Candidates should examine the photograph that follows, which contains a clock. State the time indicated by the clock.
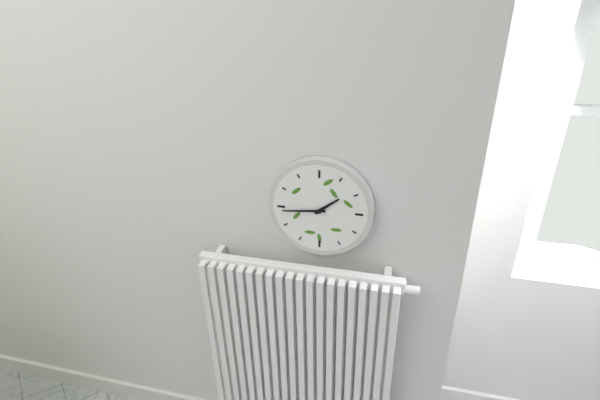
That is 1:44
